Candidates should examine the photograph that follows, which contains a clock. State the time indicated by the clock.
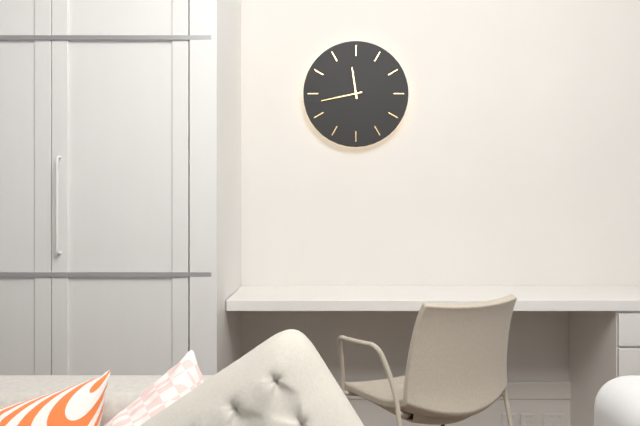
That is 11:43
